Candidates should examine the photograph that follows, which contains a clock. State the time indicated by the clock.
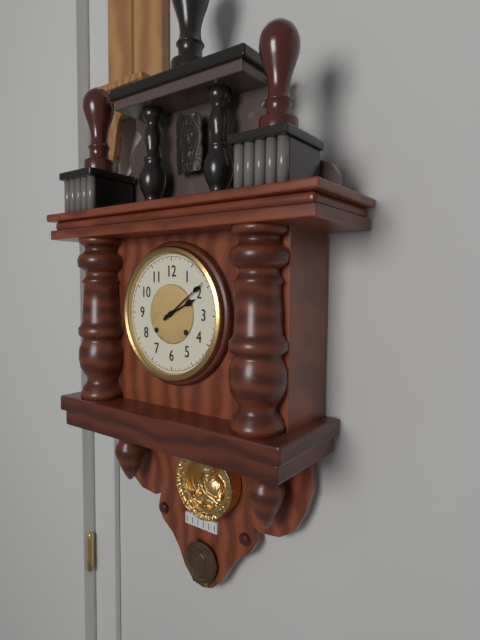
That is 2:09
